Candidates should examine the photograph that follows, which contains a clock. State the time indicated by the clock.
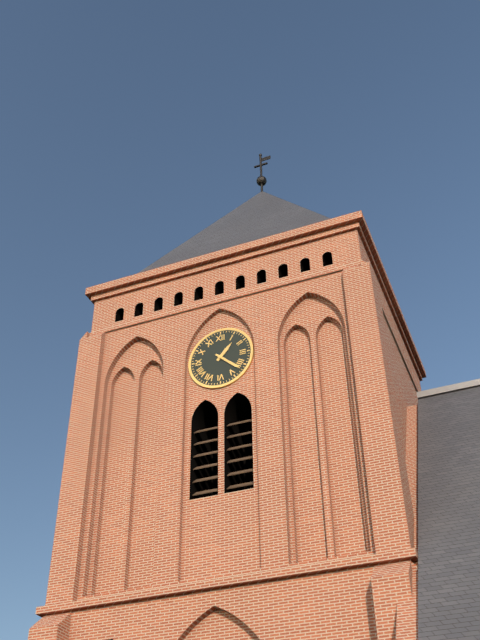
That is 1:22
